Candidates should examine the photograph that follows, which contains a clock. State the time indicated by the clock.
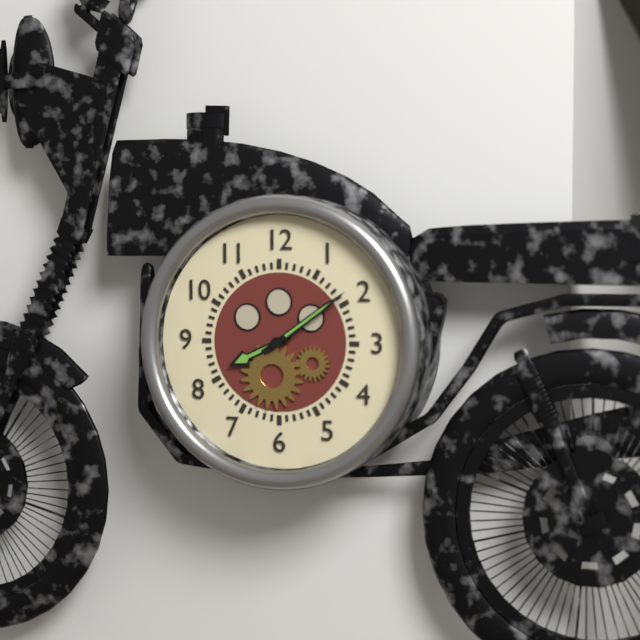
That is 8:09
